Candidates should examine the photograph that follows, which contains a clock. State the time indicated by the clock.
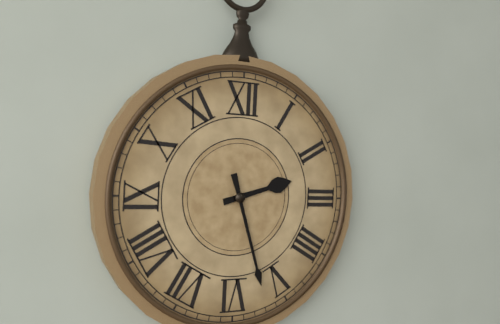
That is 2:27
